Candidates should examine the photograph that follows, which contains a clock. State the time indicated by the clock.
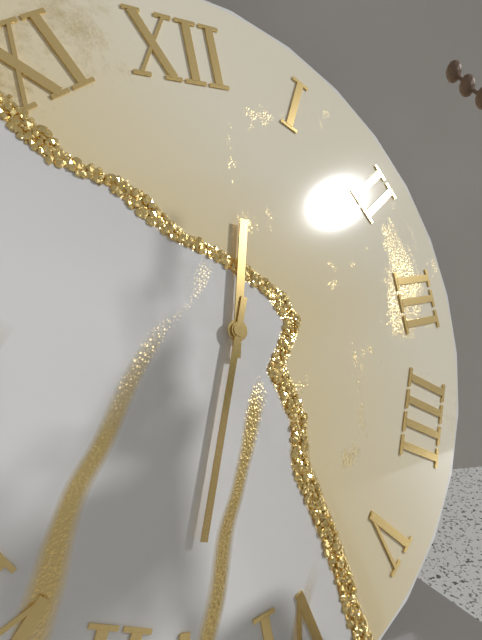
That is 12:34
